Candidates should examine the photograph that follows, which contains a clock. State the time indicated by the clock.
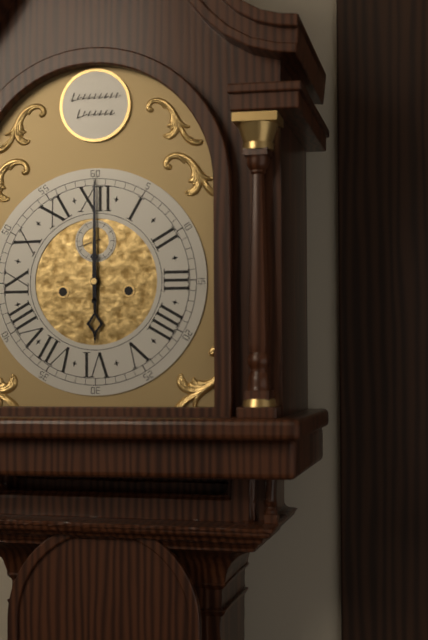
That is 6:00:42
